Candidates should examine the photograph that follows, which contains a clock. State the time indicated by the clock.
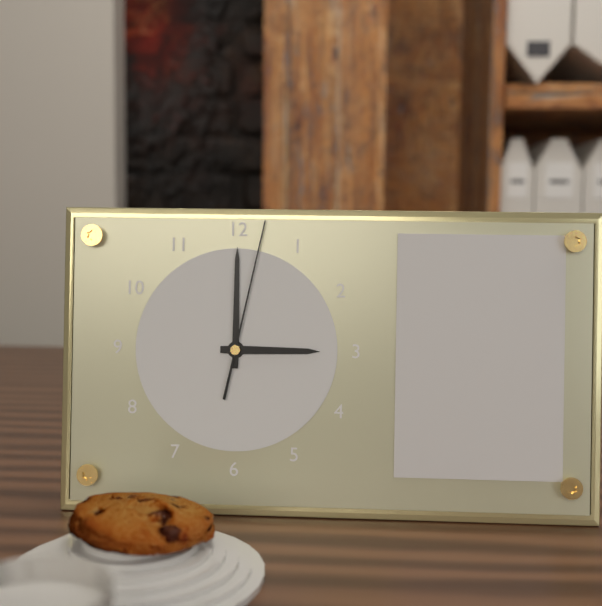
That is 3:00:02
